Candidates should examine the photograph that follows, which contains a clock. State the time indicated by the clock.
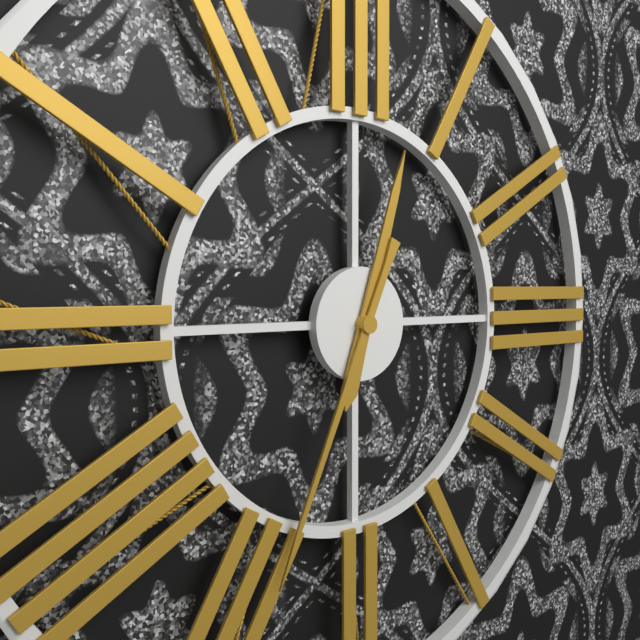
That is 12:34
